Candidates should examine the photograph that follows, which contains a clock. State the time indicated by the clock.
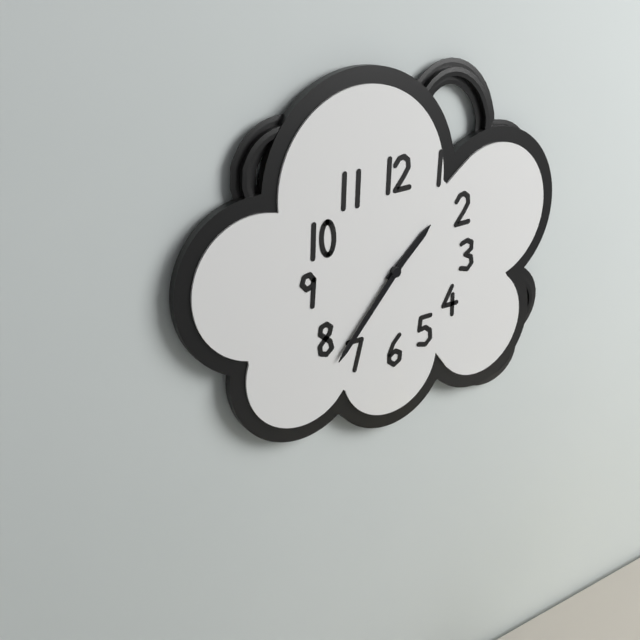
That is 1:37
